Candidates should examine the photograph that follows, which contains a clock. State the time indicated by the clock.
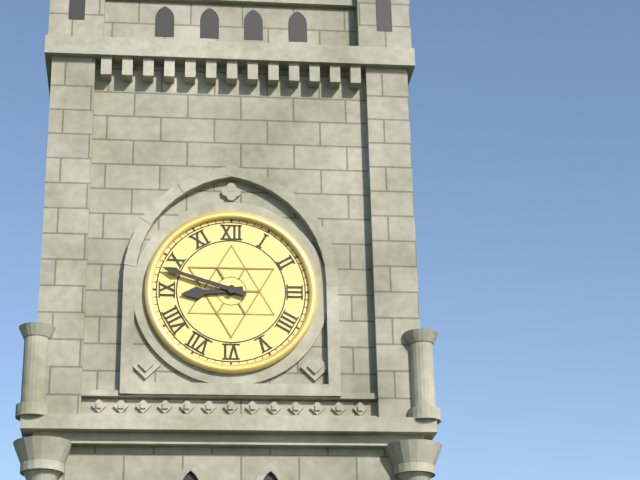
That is 8:48
